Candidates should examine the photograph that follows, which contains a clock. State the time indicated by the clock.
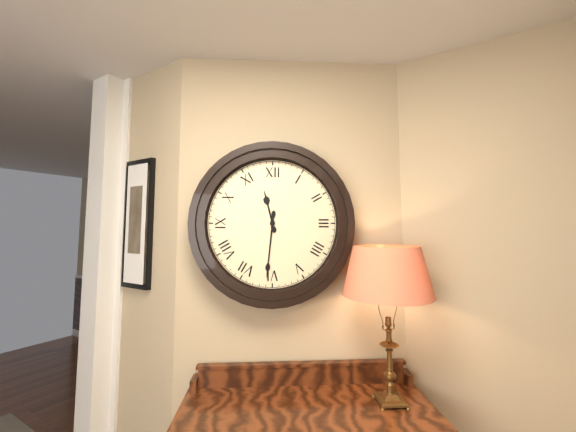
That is 11:31
